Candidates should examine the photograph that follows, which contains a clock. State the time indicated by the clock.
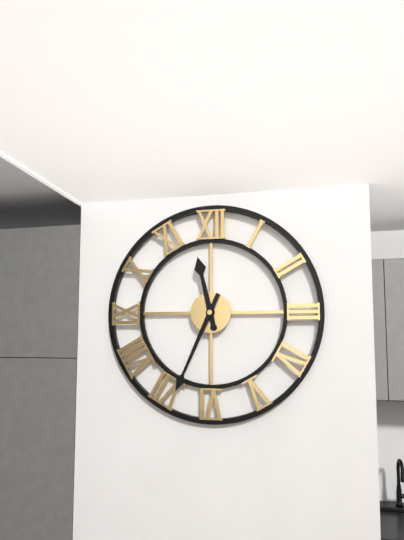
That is 11:34
